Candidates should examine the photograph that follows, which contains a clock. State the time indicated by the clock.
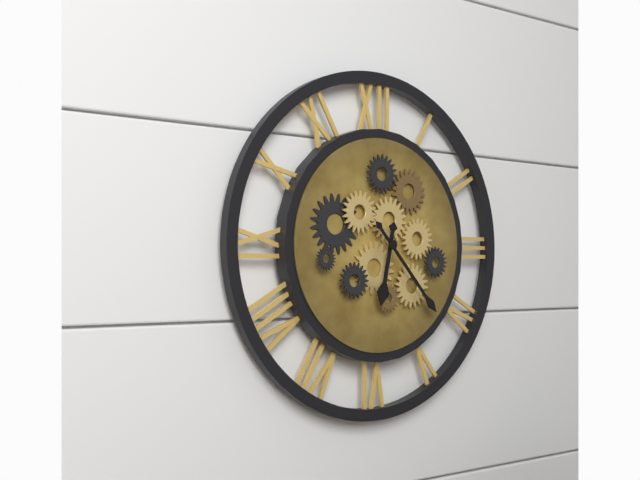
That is 6:23
